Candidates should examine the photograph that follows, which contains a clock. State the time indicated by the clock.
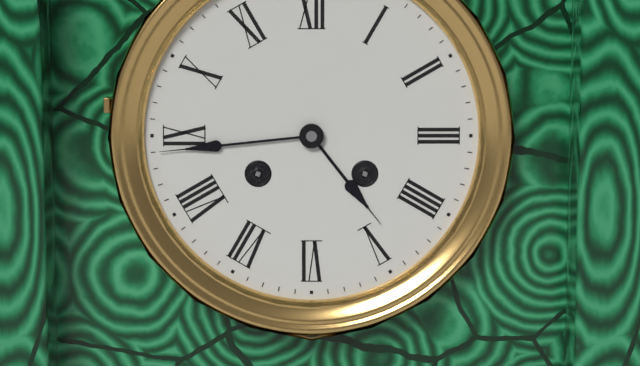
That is 4:44
